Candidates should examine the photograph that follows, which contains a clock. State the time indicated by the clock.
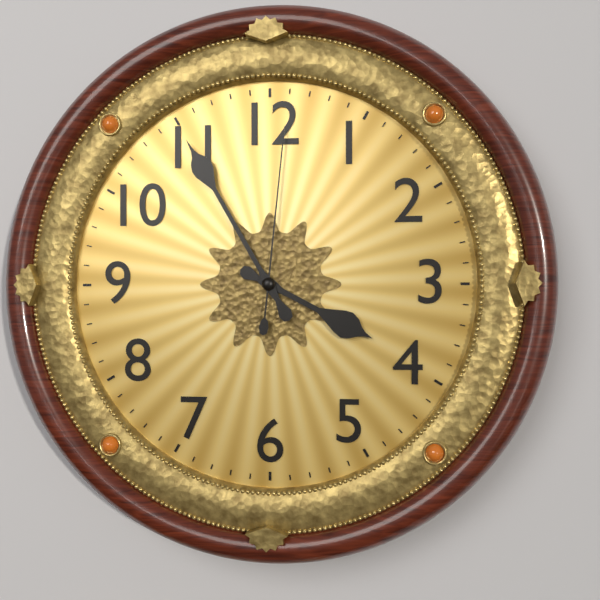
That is 3:55:01
